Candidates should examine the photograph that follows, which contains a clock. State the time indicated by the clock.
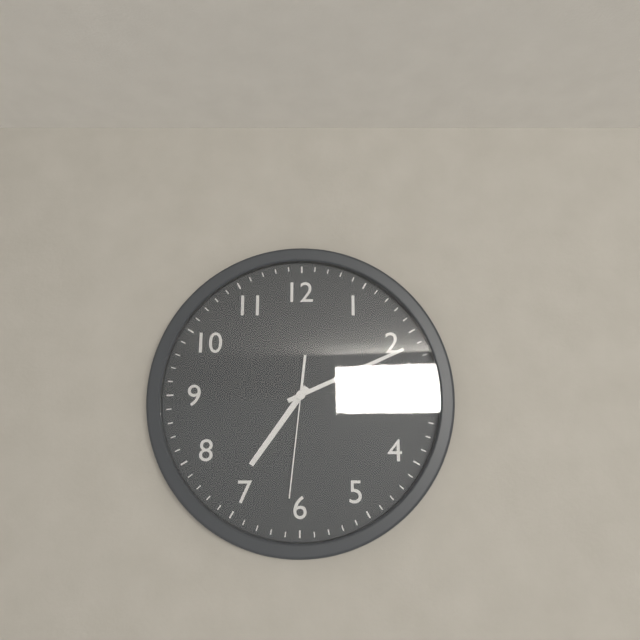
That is 7:11:31
